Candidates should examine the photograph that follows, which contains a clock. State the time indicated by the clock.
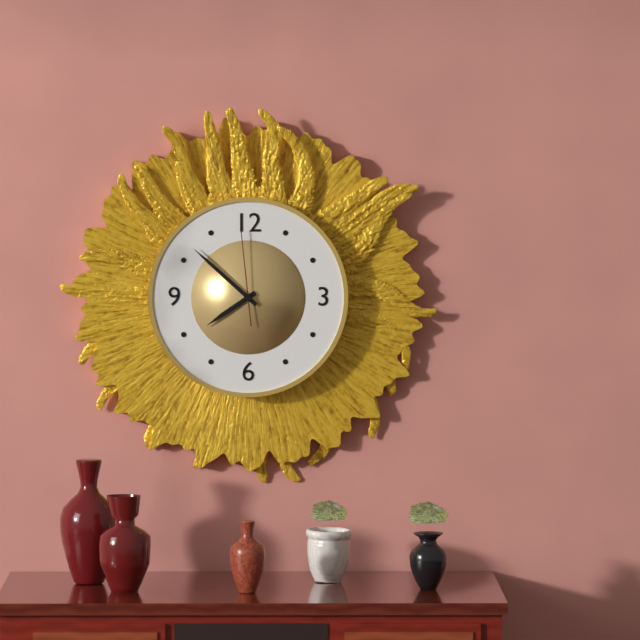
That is 7:52:59
